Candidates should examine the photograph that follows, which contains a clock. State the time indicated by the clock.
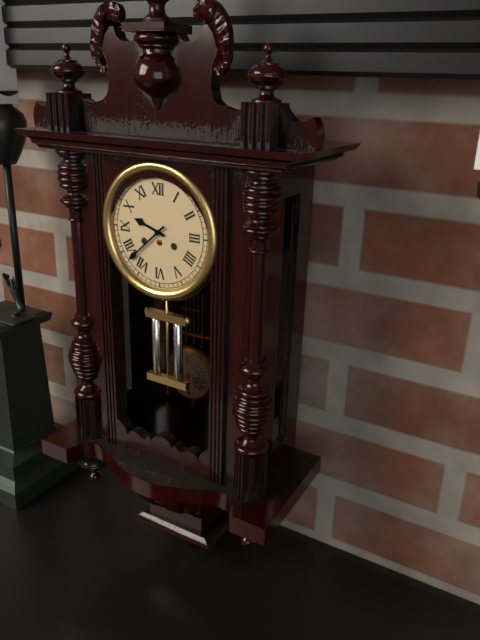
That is 9:38
